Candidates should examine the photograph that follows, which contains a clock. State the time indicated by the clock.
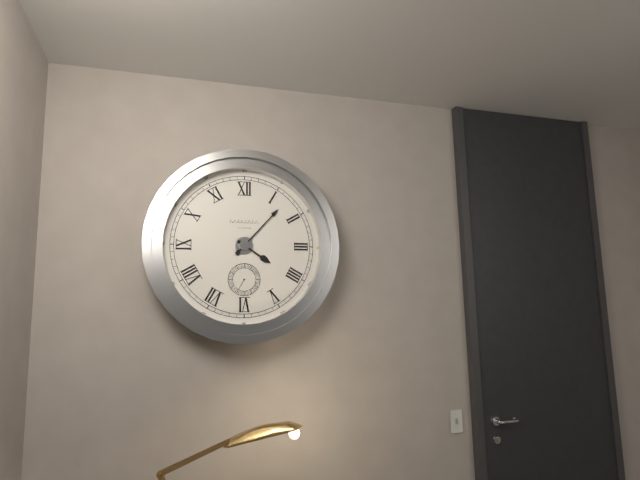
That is 4:07
